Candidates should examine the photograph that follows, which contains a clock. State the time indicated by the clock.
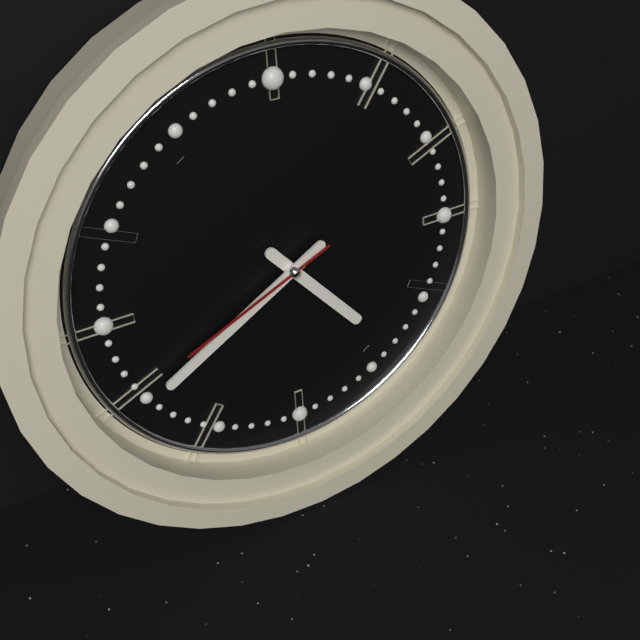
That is 4:40:41
